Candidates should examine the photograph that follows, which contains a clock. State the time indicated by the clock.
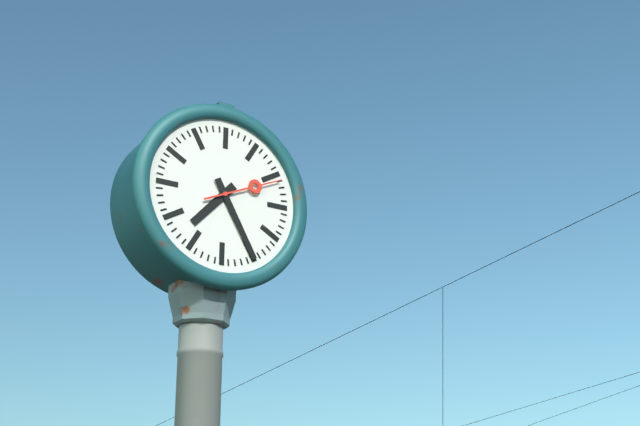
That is 7:25:11
